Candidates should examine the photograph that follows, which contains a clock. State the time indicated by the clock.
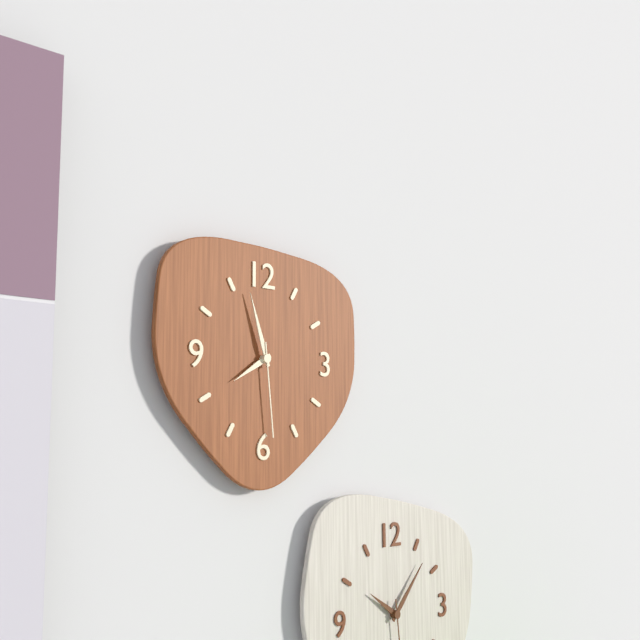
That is 7:57:29
